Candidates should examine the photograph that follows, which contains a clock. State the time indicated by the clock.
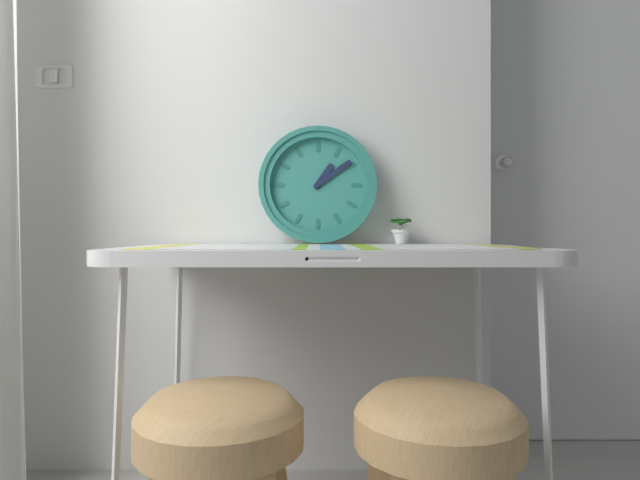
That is 1:09
